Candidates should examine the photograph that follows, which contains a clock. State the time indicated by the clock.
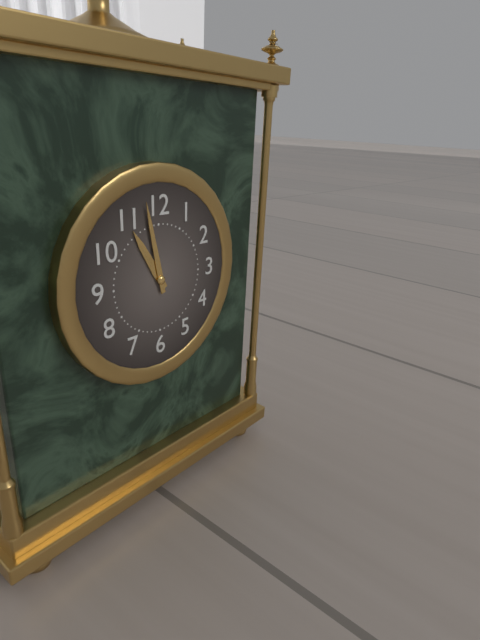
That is 10:58
